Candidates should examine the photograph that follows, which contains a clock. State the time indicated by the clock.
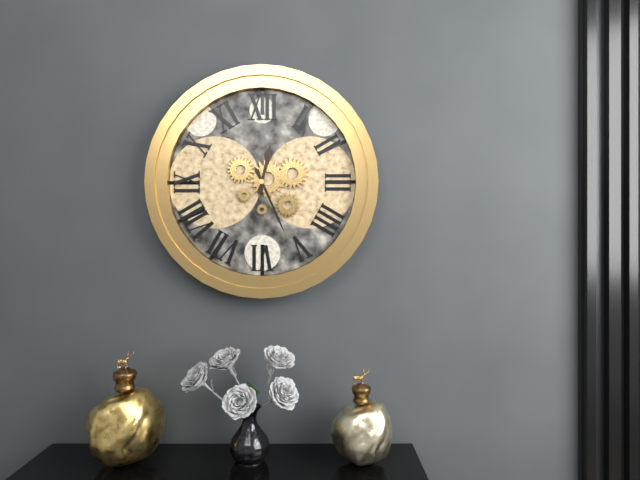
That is 12:26
